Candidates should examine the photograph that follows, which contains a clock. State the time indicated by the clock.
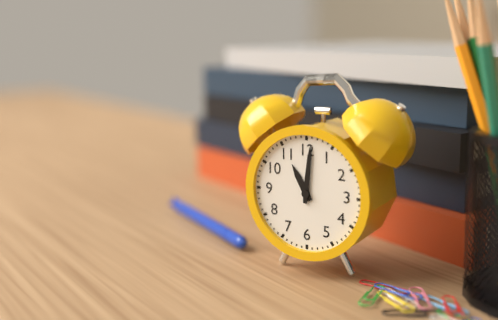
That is 11:01
